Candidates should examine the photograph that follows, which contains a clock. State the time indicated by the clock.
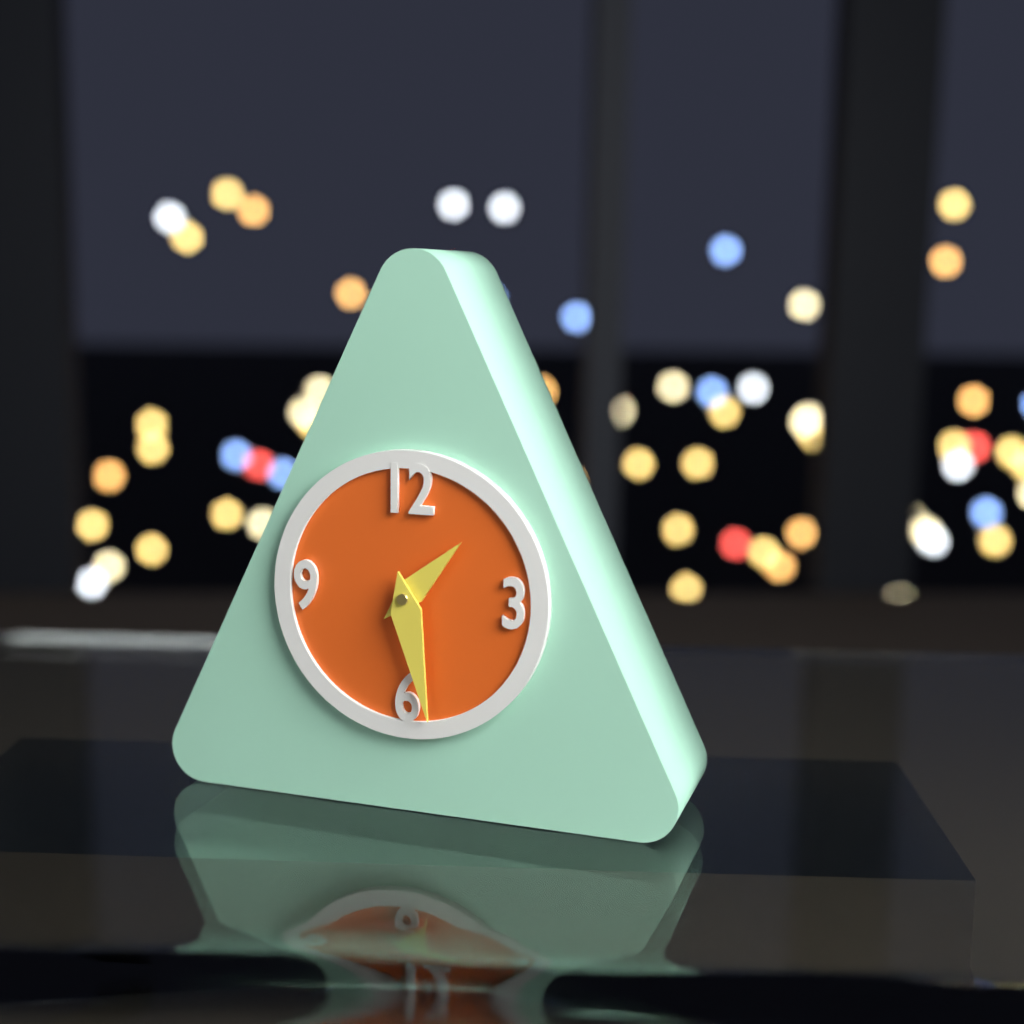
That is 1:28
